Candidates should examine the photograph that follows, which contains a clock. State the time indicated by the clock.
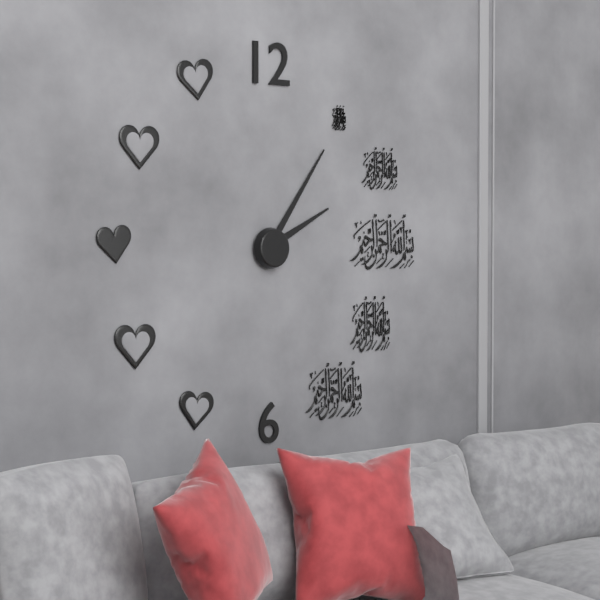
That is 2:06
